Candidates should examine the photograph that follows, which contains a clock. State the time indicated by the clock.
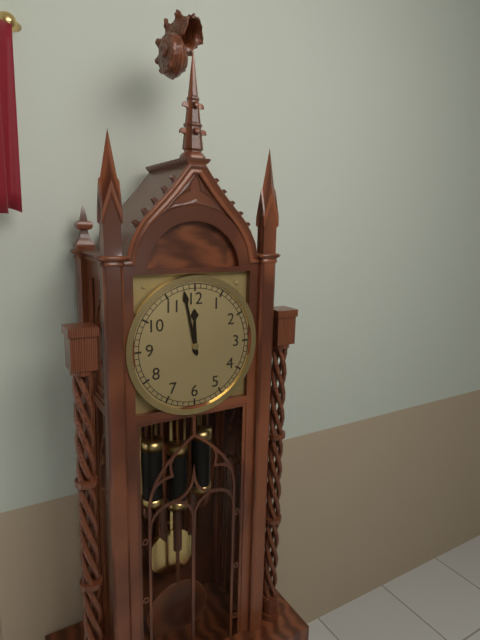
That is 11:58
